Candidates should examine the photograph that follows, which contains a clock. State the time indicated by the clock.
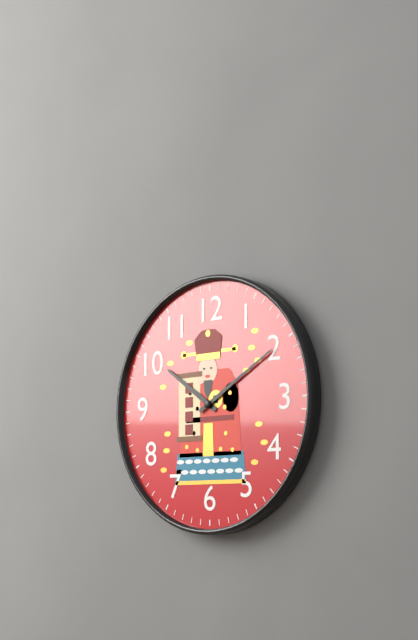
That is 10:10
